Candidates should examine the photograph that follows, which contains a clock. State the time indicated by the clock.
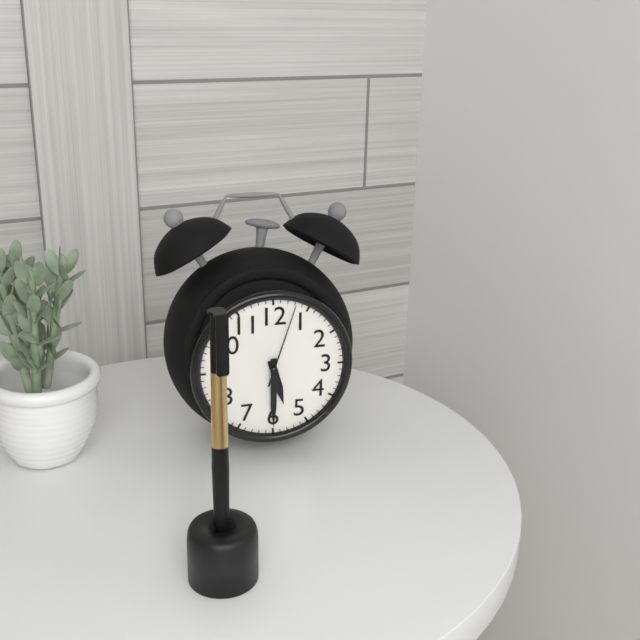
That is 5:30:03
